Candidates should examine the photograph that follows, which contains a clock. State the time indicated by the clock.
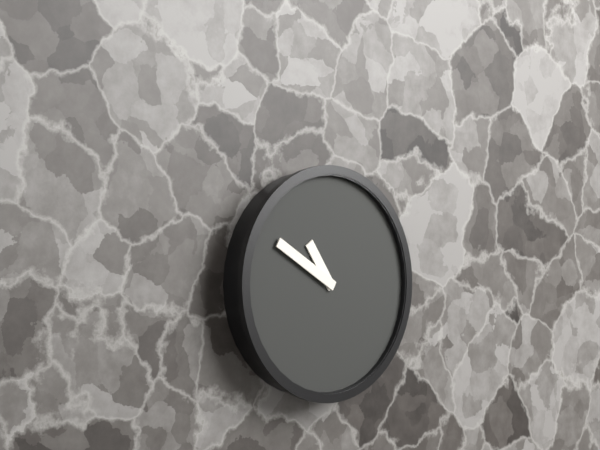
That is 10:50
